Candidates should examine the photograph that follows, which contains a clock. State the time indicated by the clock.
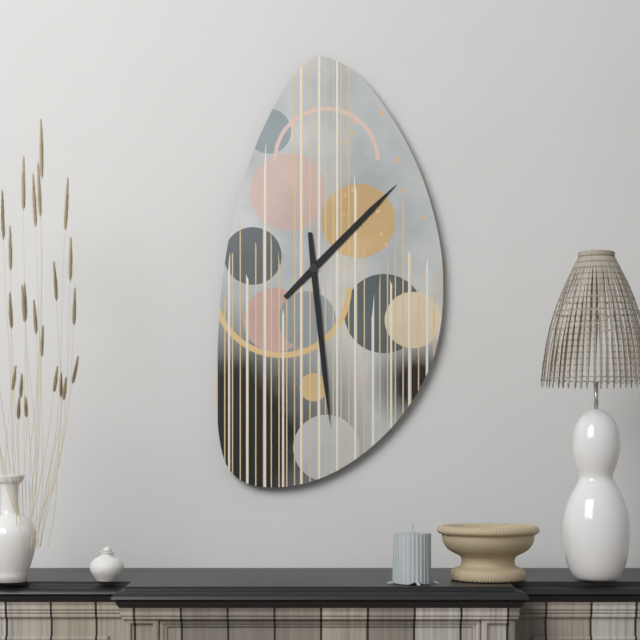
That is 1:29
